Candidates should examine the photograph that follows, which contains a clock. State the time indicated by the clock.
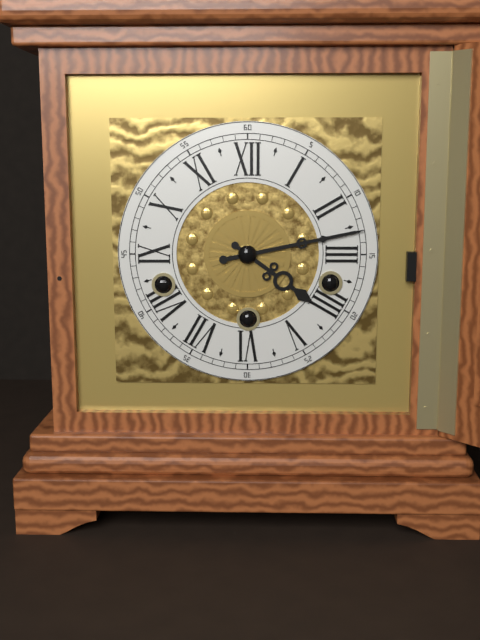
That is 4:13
